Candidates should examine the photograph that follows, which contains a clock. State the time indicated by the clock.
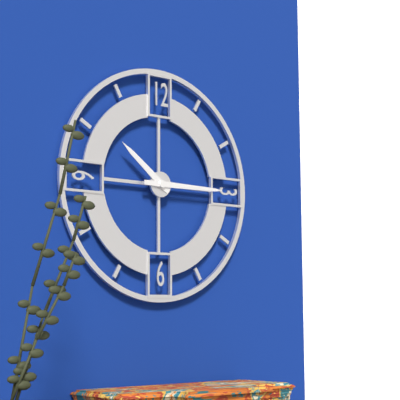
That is 10:15
